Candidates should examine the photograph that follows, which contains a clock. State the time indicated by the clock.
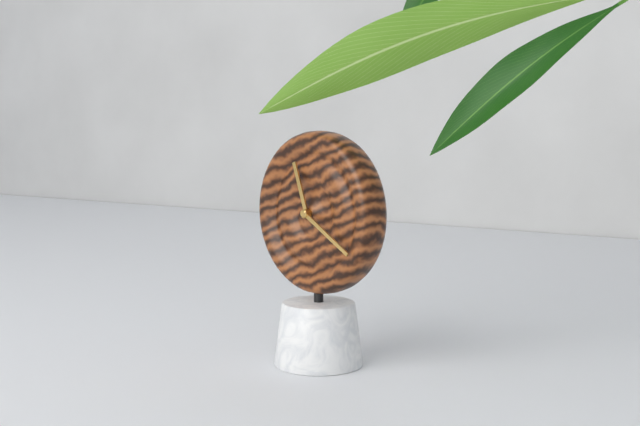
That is 11:20
